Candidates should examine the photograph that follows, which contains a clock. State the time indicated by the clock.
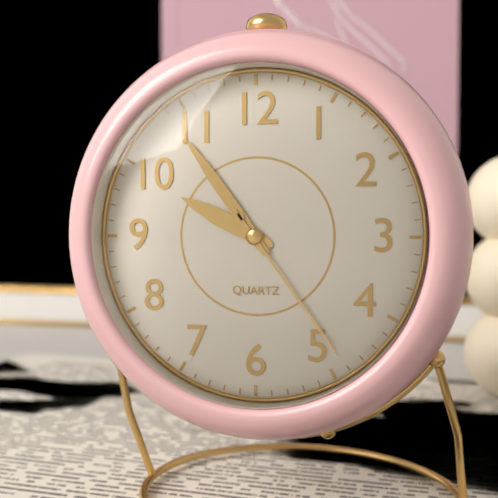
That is 9:54:24
